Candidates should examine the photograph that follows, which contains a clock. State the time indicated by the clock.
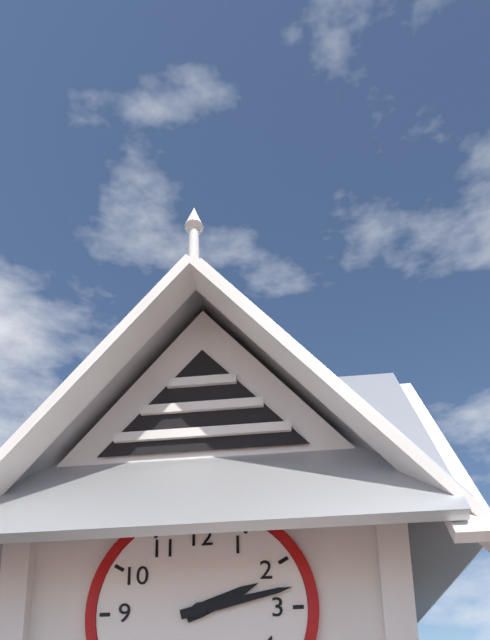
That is 2:13
